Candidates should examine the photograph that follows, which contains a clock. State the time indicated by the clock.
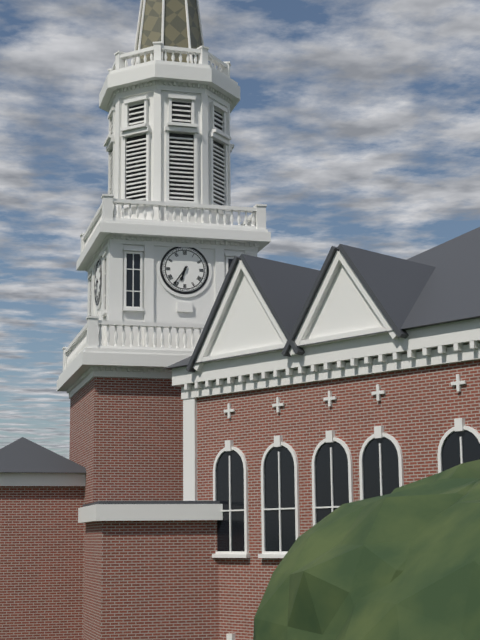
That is 6:36
